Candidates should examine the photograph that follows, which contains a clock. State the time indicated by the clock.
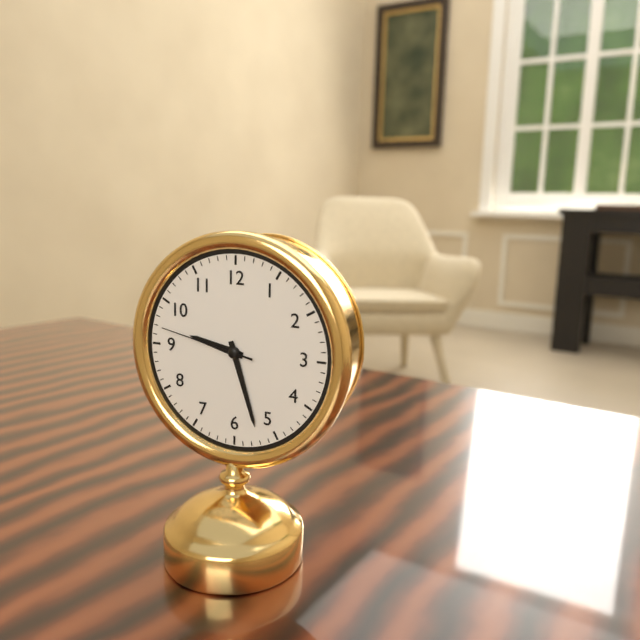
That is 9:27:47
